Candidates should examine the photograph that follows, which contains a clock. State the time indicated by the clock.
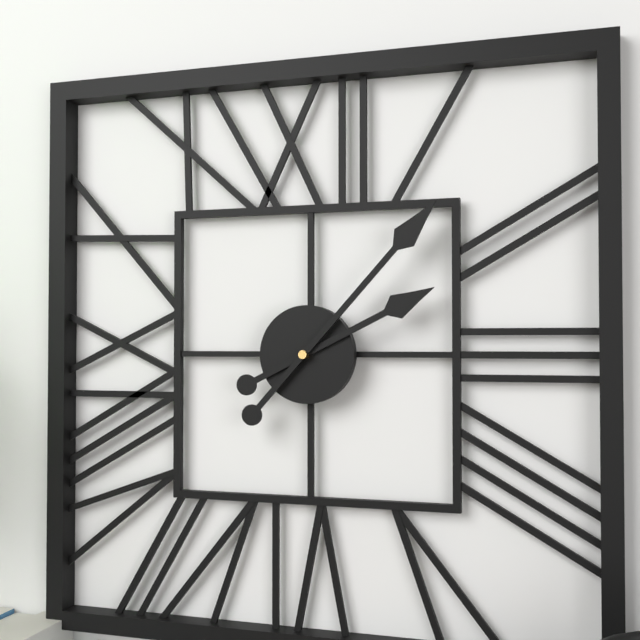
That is 2:07
